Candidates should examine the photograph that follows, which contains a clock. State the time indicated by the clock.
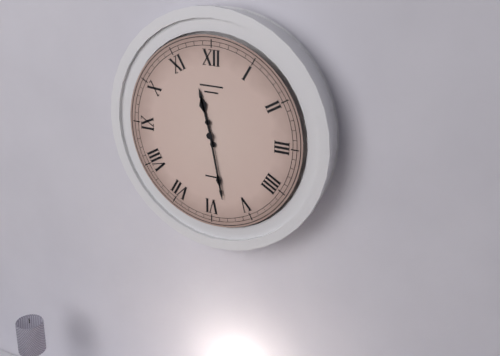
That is 11:28
